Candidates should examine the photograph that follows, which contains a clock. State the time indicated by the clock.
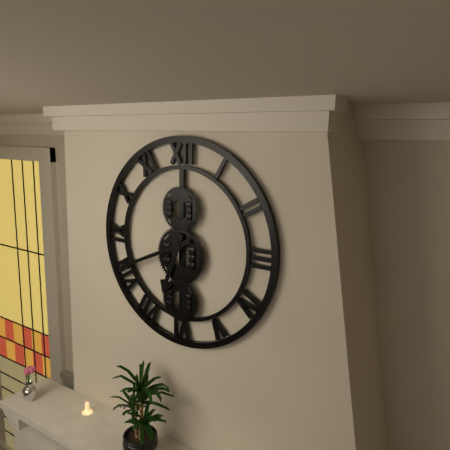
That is 6:41
